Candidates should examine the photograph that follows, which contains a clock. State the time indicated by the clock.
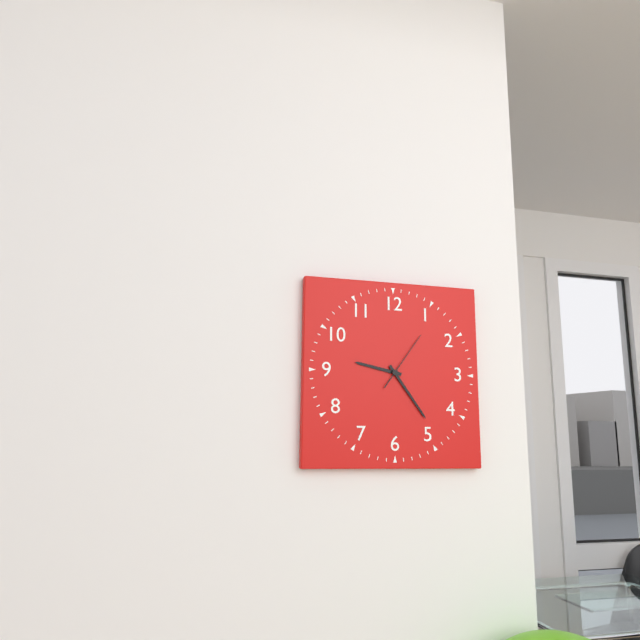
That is 9:24:06
